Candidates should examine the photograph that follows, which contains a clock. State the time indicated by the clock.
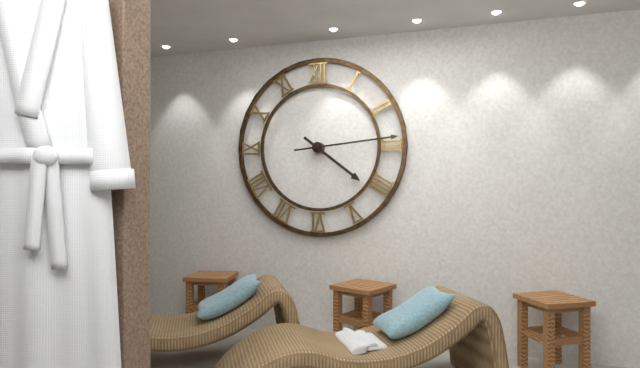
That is 4:14
